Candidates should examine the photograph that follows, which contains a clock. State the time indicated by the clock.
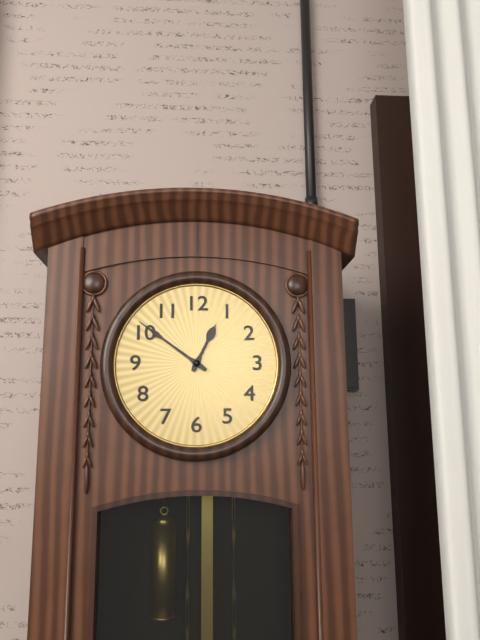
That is 12:51
